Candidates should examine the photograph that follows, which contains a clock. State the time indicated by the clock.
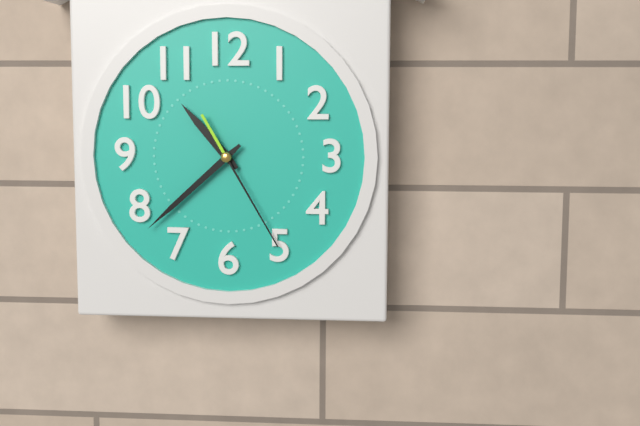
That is 10:38:25
